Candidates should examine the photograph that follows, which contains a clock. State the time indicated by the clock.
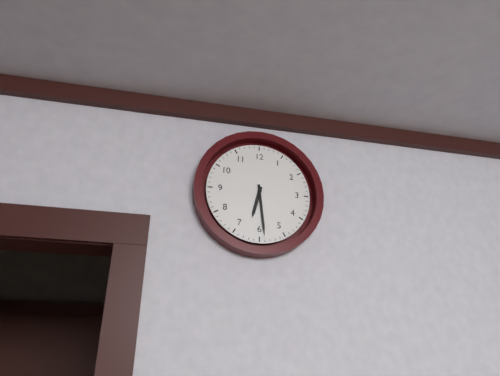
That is 6:29
